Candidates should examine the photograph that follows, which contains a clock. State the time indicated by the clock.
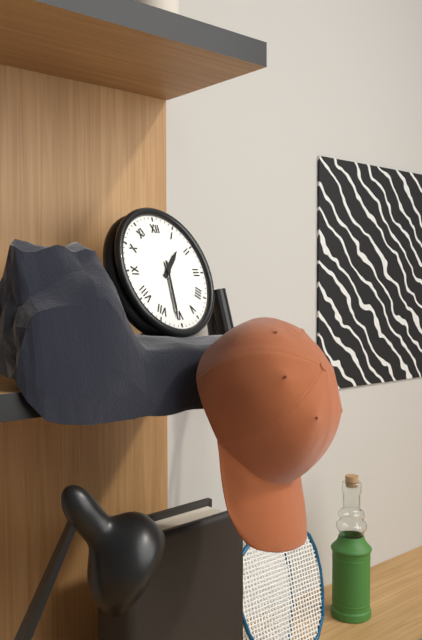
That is 1:31
